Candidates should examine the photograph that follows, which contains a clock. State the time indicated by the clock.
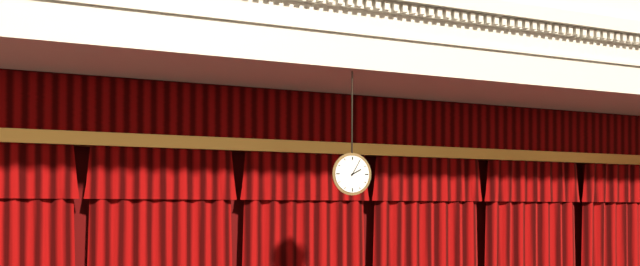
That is 2:05
